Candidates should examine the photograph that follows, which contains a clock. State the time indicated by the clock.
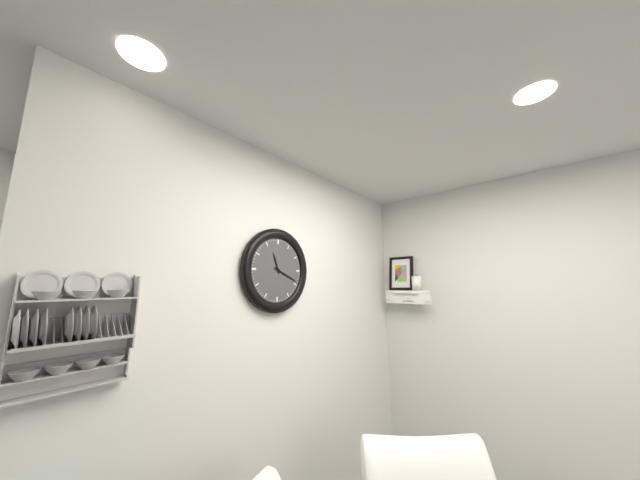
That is 11:19
